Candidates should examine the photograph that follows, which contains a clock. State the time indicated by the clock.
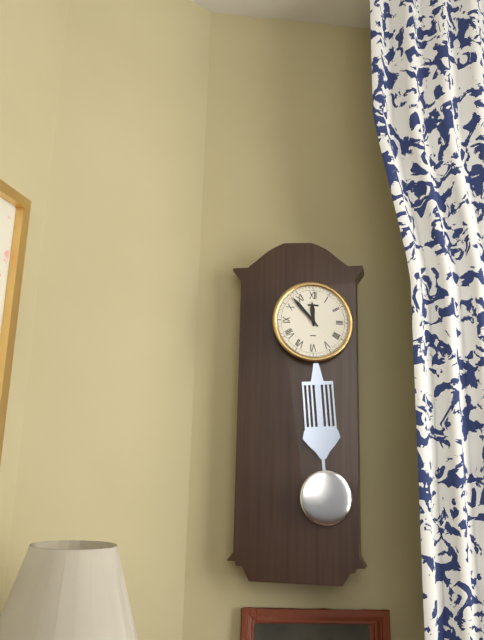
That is 11:53
